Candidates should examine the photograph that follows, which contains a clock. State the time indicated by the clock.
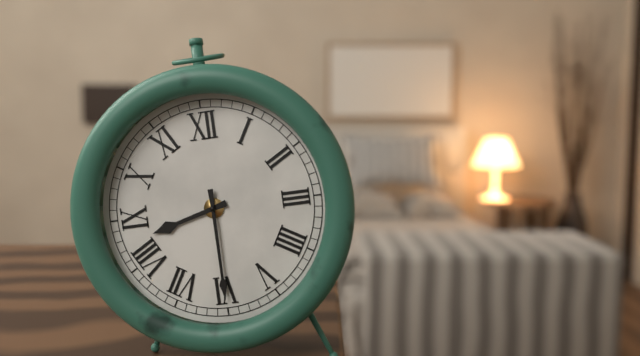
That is 8:30
